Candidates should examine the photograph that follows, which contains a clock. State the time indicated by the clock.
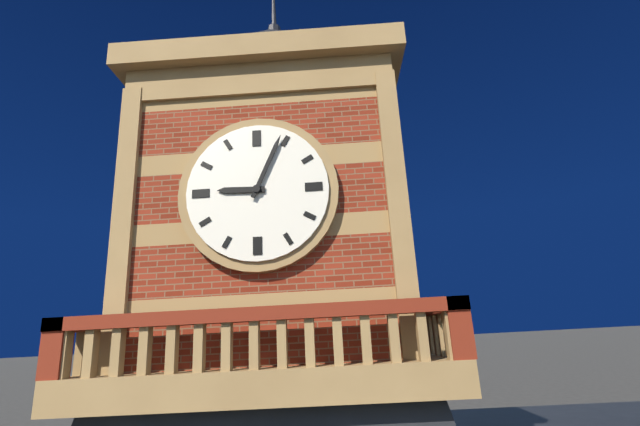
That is 9:04
